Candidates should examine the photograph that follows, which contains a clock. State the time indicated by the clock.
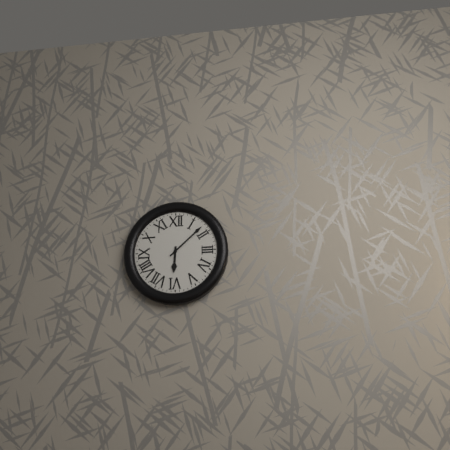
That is 6:08
